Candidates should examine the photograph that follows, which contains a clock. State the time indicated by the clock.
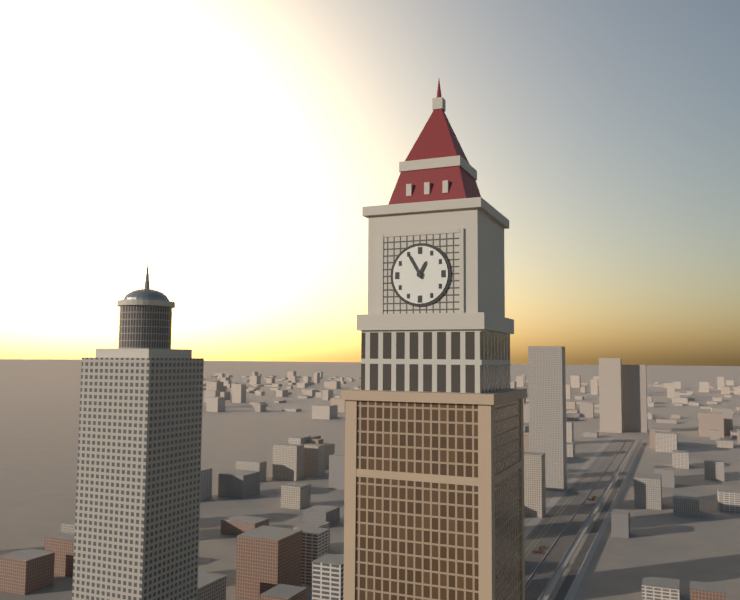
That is 12:55
